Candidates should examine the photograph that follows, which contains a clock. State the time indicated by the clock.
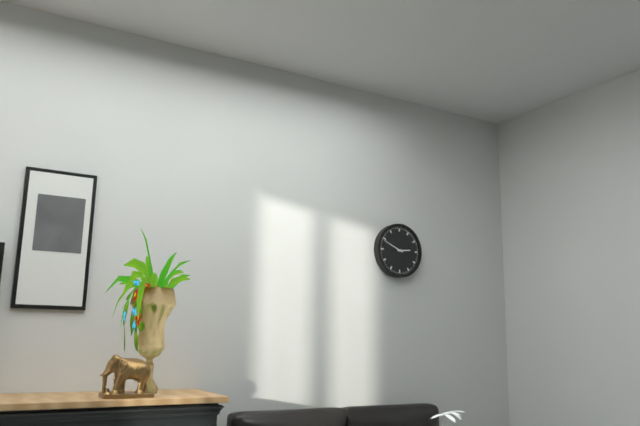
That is 2:49
